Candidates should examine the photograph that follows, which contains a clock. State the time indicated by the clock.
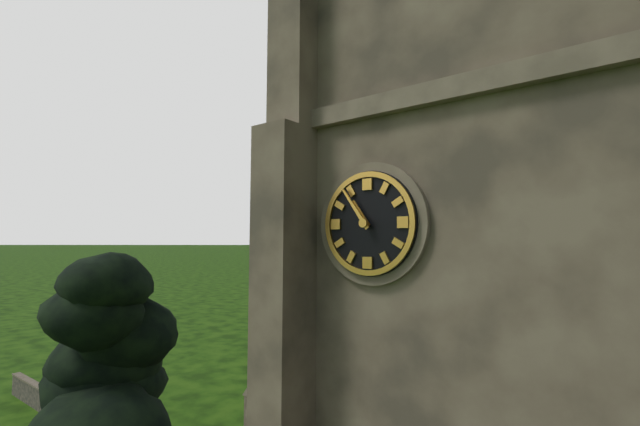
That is 10:54
